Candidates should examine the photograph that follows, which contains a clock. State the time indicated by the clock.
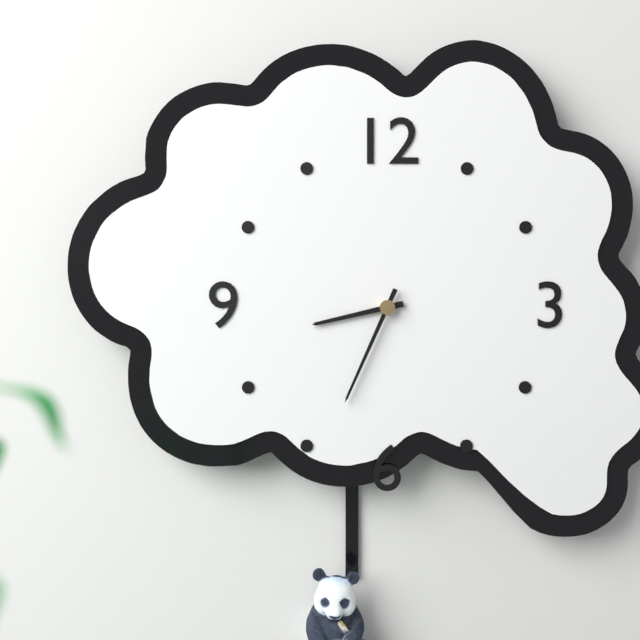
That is 8:34
